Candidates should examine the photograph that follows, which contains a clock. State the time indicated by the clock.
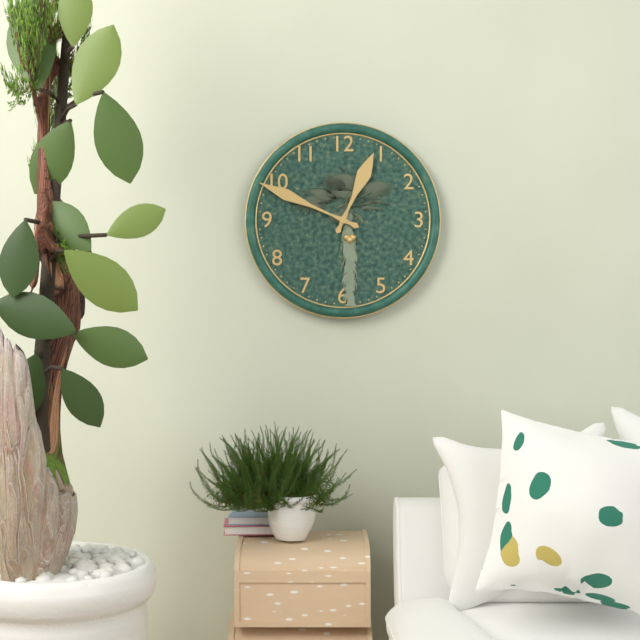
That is 12:49
